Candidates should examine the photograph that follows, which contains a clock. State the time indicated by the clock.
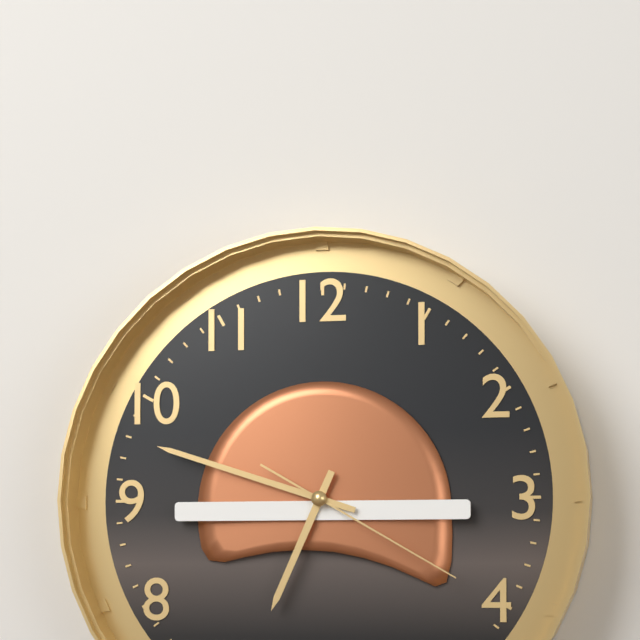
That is 6:48:20
